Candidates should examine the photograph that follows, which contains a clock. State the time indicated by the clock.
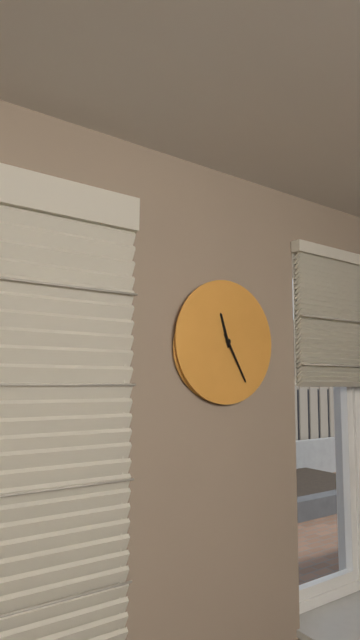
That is 11:25
